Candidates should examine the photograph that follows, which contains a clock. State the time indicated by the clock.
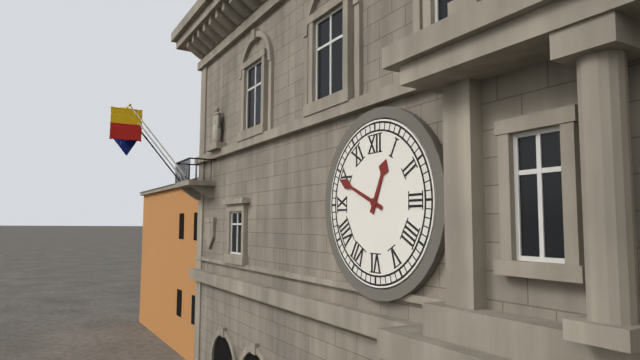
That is 12:49
